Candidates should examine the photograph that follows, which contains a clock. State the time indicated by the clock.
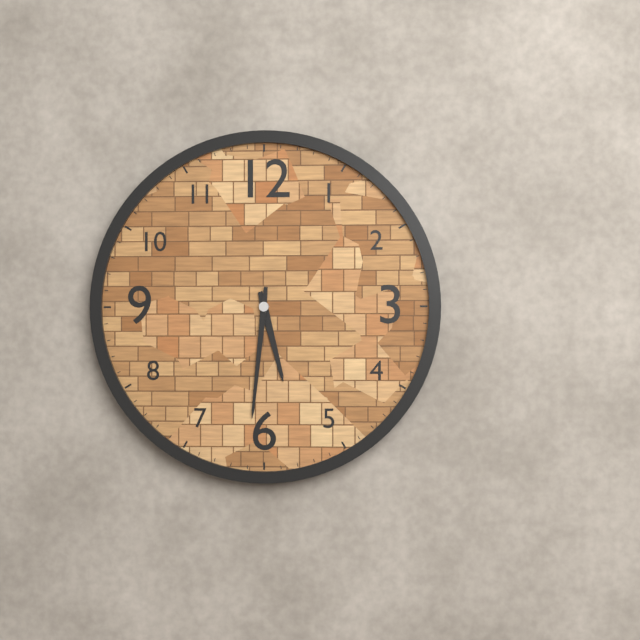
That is 5:31
